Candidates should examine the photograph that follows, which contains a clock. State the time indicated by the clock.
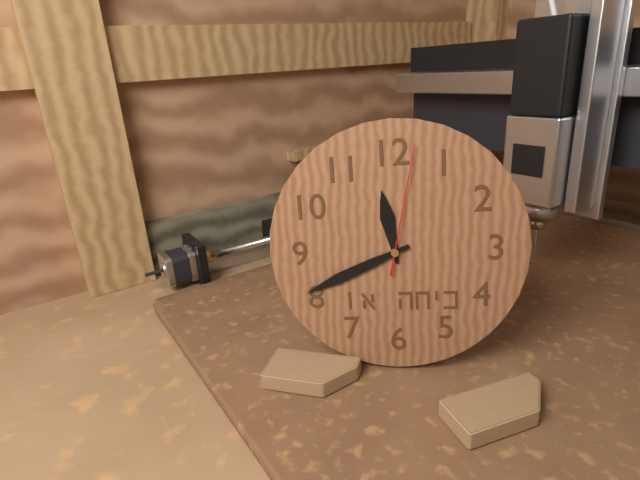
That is 11:41:02
